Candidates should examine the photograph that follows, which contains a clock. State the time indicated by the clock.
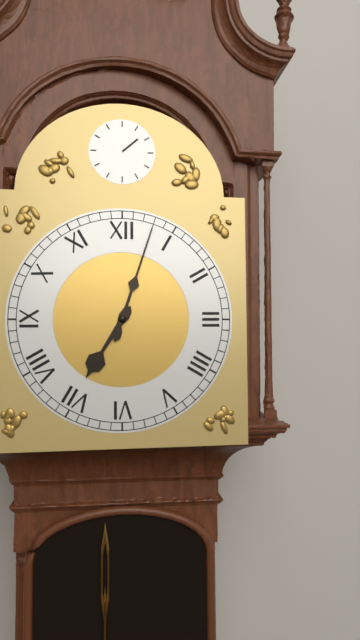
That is 7:03
